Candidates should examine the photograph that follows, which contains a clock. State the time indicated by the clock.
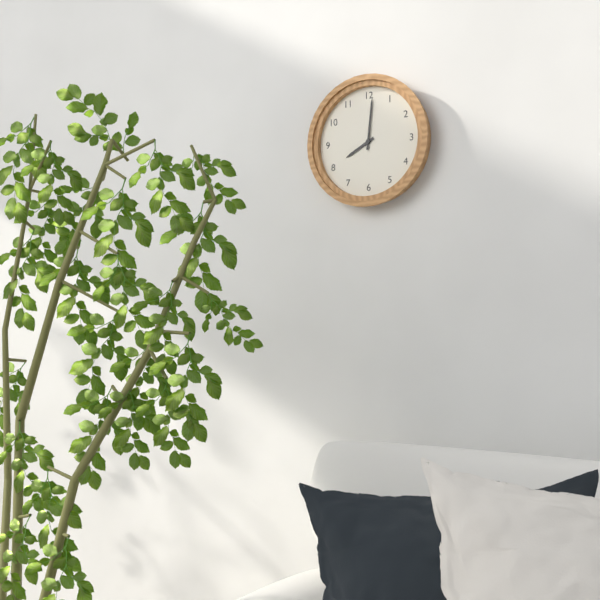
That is 8:01
